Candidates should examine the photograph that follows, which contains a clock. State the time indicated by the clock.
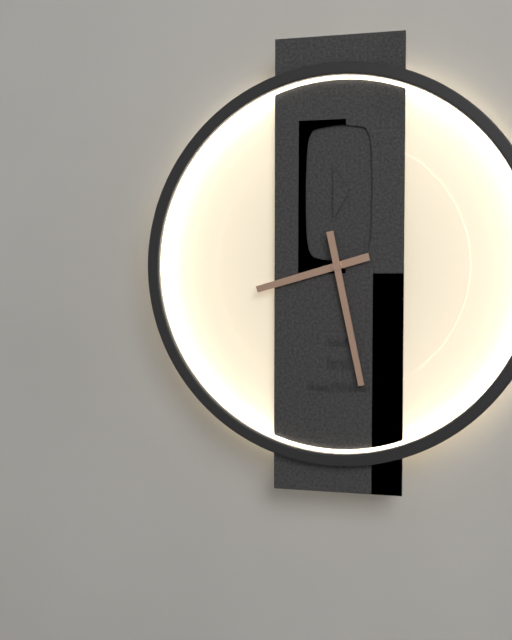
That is 8:28
